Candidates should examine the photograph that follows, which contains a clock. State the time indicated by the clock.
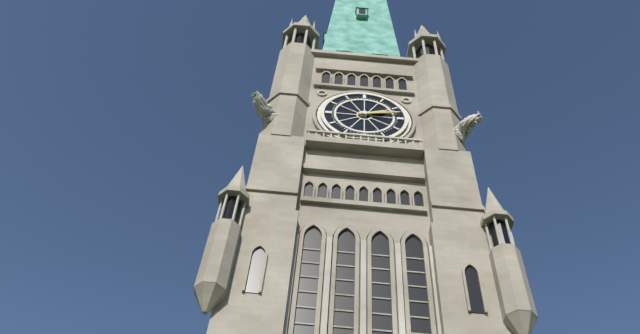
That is 2:13
